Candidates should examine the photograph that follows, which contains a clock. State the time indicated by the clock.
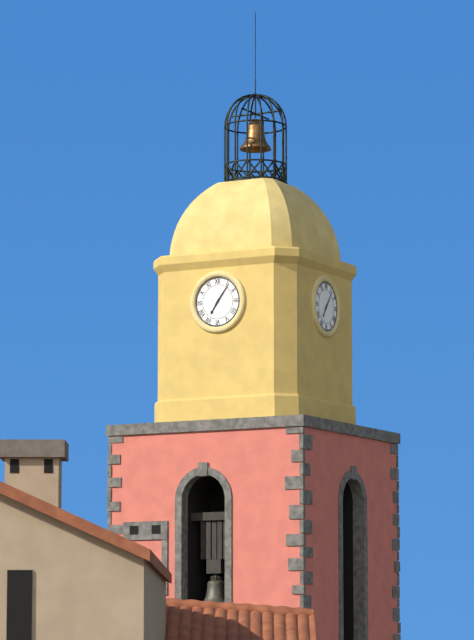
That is 7:06
